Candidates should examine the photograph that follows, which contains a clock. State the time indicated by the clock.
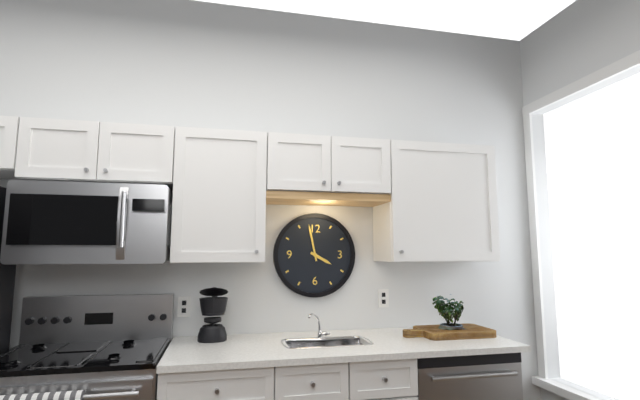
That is 3:58
